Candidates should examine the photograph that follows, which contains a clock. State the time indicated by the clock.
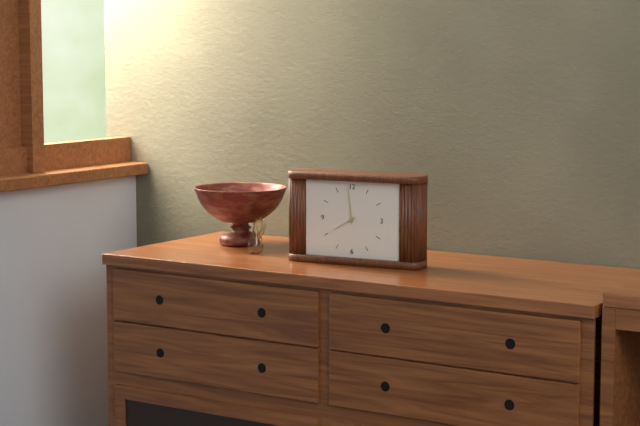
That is 7:59
